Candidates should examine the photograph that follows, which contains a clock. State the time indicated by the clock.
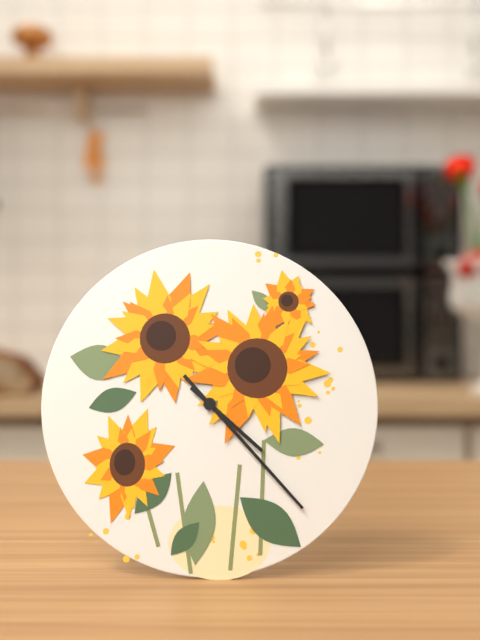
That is 4:23
